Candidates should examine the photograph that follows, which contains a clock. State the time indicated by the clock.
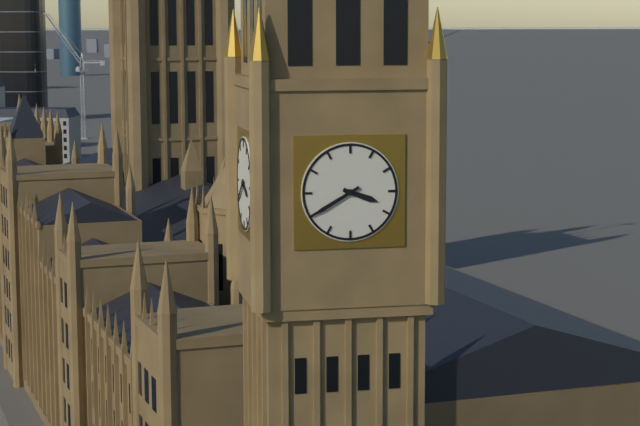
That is 3:40
